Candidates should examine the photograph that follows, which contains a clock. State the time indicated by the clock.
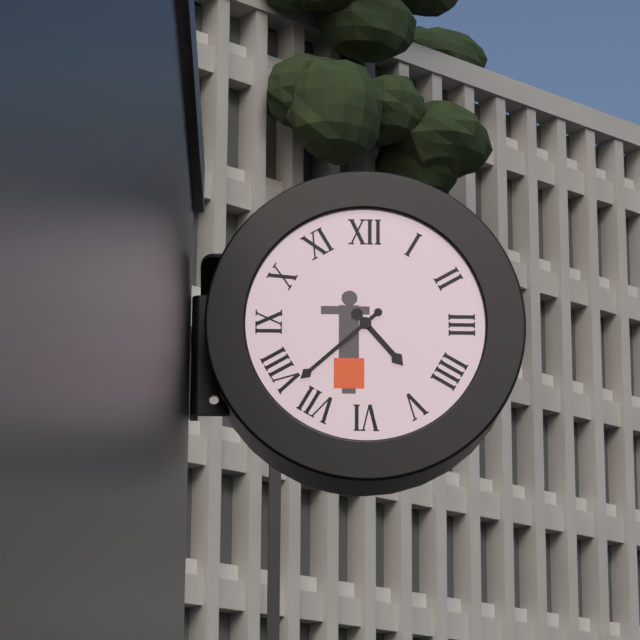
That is 4:38
